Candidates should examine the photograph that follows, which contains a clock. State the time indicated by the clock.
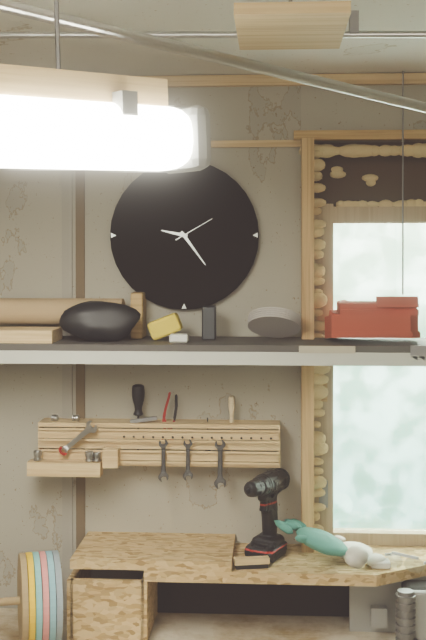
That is 9:24
